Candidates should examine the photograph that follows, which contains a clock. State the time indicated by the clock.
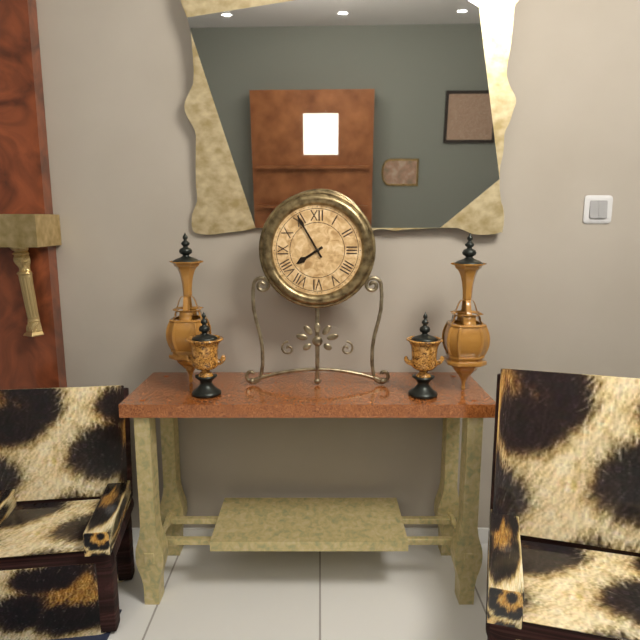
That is 7:55
